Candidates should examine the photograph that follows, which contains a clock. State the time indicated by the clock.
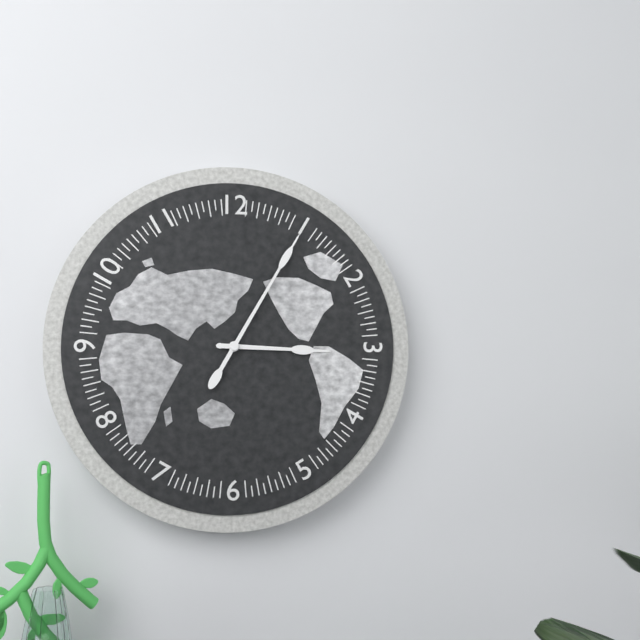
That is 3:05
